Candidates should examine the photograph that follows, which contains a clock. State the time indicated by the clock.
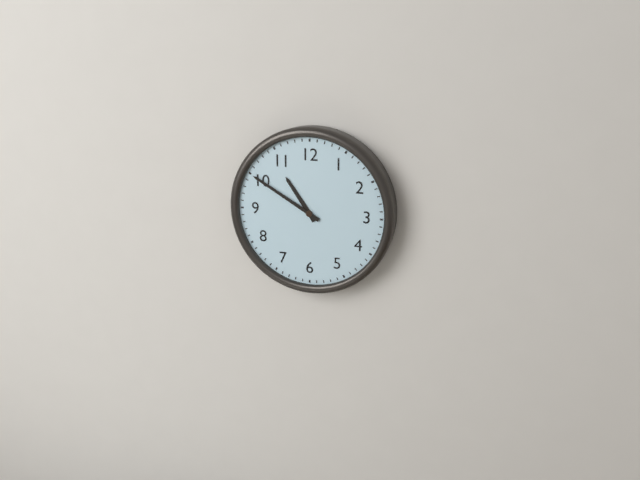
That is 10:50
